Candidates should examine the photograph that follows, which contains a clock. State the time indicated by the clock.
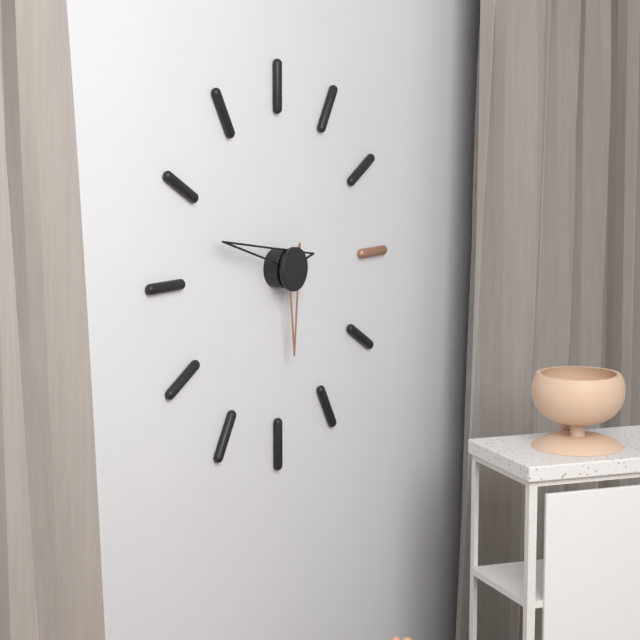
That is 5:48
